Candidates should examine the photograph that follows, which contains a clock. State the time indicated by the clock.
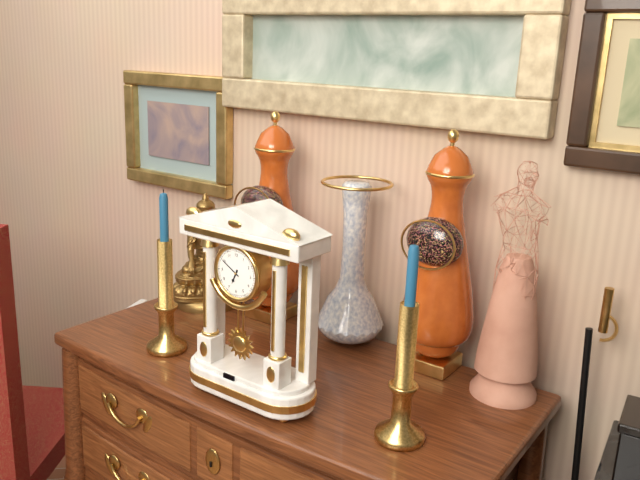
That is 6:50
